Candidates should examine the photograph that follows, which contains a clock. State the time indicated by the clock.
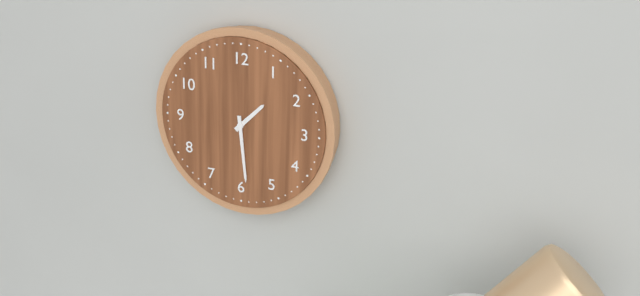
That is 1:29
